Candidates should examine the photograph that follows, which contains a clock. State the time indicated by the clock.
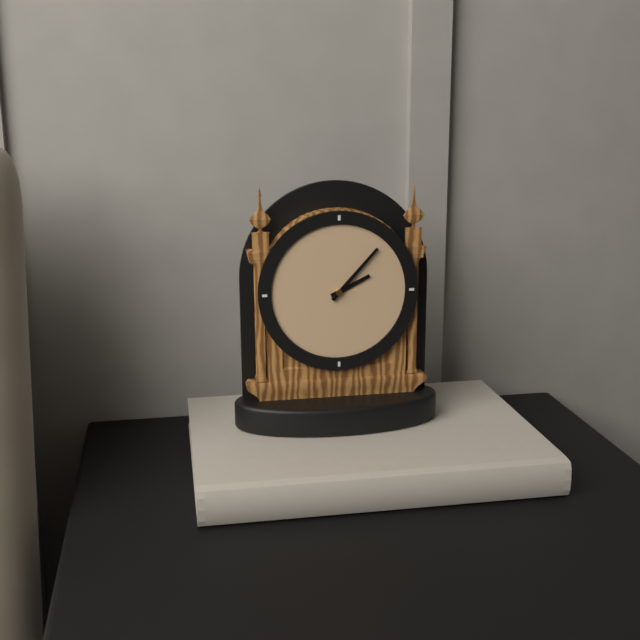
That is 2:07
